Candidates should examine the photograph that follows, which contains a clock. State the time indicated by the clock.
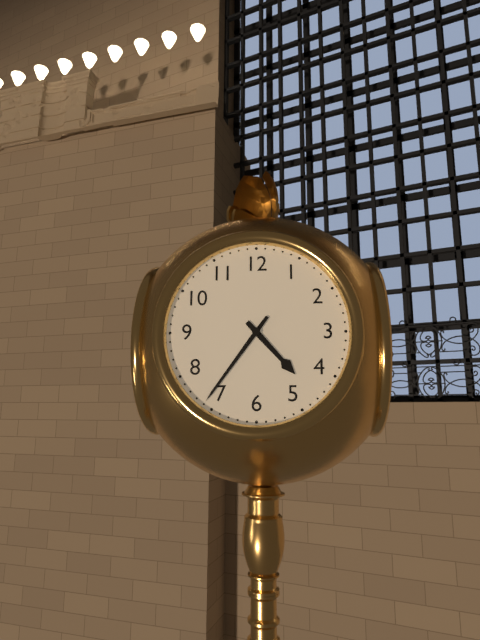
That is 4:36
